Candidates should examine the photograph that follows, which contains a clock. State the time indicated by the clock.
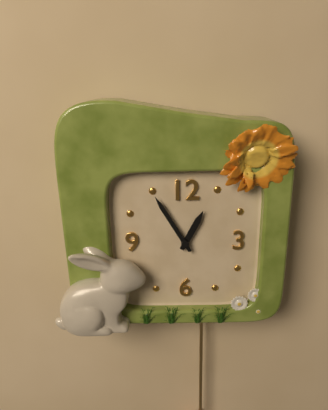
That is 12:55
